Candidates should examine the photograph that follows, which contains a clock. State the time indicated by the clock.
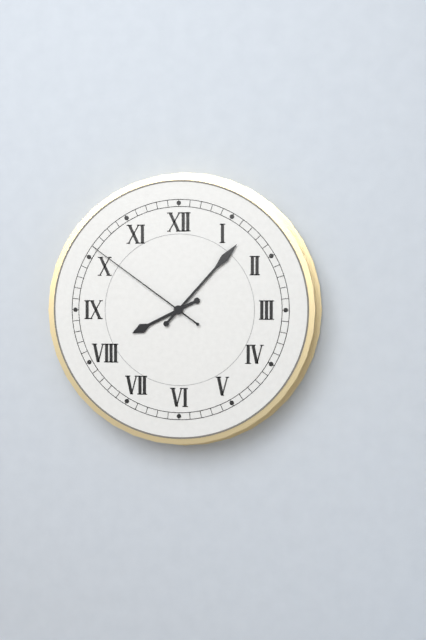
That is 8:07:51
